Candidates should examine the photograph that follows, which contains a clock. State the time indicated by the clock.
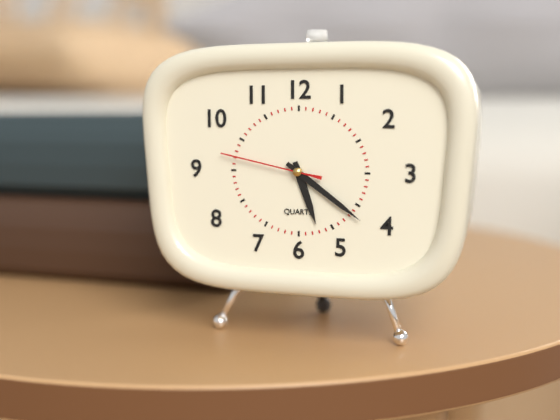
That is 5:21:47
